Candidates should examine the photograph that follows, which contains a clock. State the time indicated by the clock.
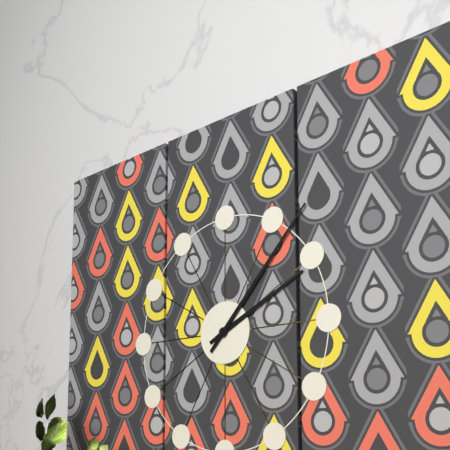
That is 2:07
